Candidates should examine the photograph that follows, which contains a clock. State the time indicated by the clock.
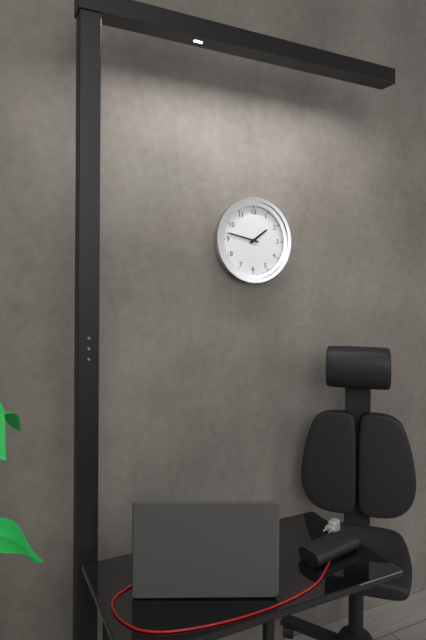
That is 1:47
